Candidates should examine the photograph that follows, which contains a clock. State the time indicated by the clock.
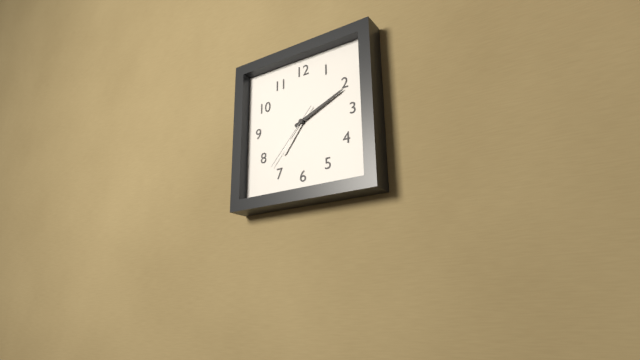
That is 7:11:37
